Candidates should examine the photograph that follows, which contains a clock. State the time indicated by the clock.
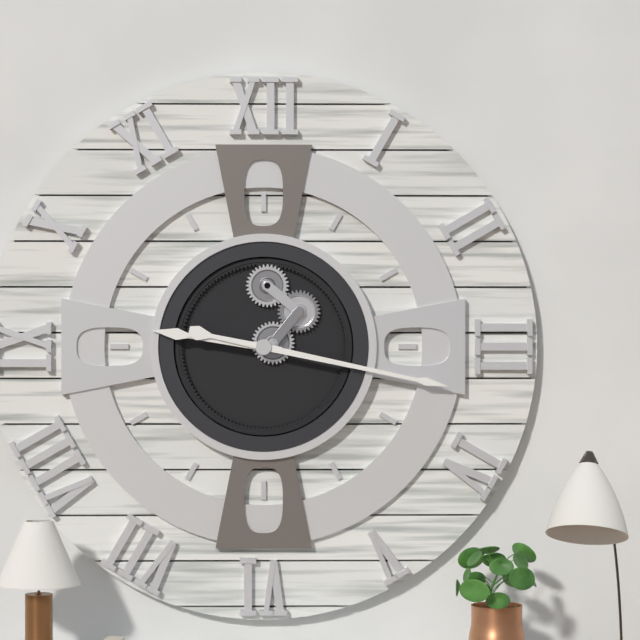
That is 9:17
